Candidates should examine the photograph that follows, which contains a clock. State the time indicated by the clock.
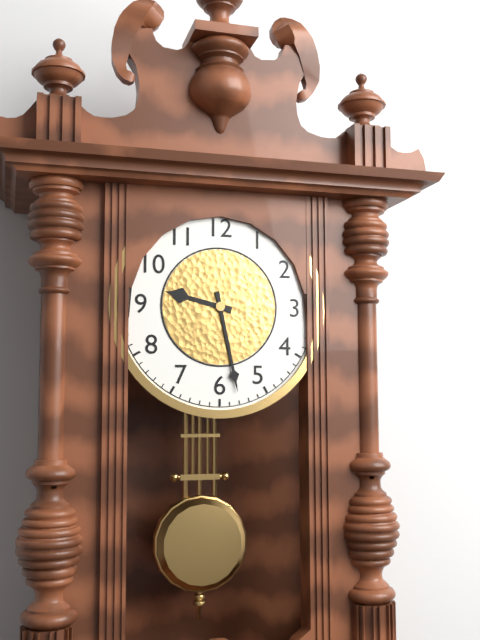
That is 9:28
